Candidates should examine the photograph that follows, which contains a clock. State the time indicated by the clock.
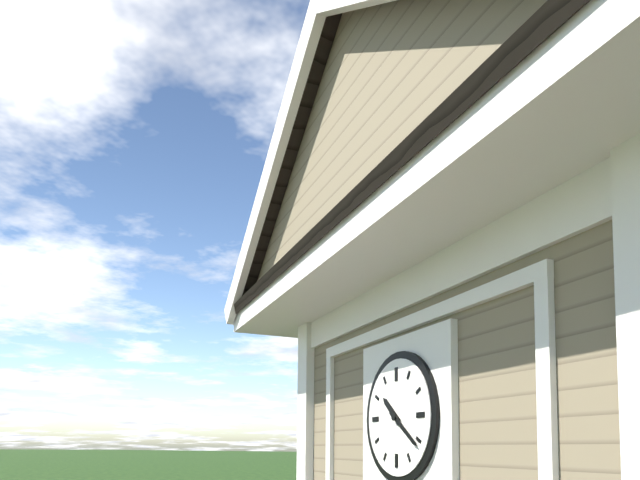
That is 10:21
